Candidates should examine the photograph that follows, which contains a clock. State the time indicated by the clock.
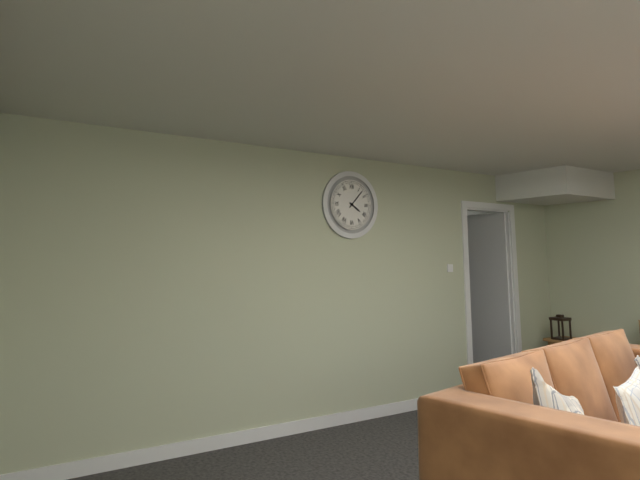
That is 4:07
